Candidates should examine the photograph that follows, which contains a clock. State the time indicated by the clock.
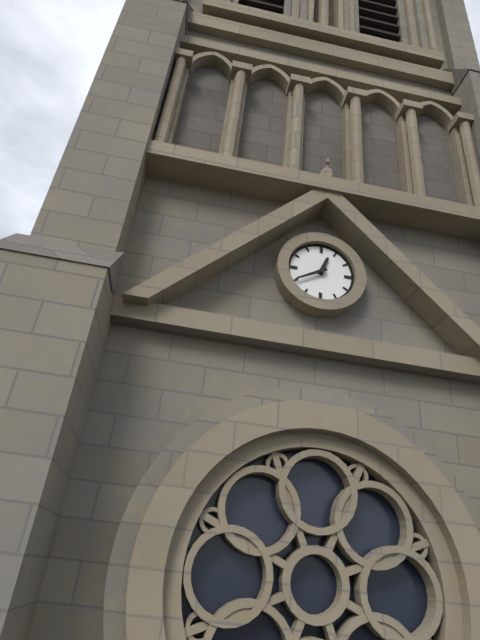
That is 12:40
